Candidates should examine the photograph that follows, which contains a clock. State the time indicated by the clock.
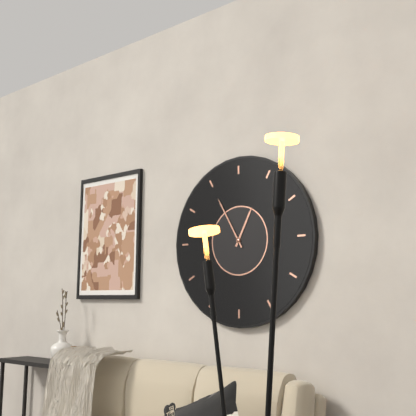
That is 12:55
